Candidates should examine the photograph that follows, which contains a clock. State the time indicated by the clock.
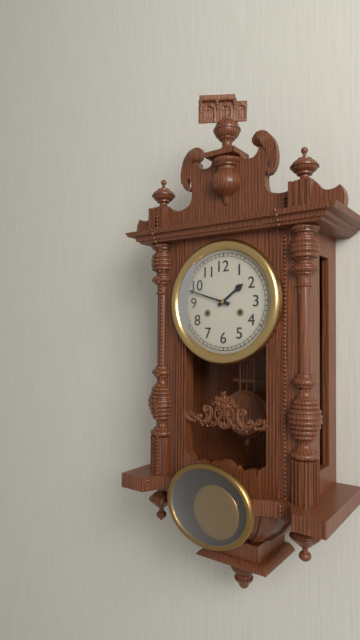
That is 1:48
